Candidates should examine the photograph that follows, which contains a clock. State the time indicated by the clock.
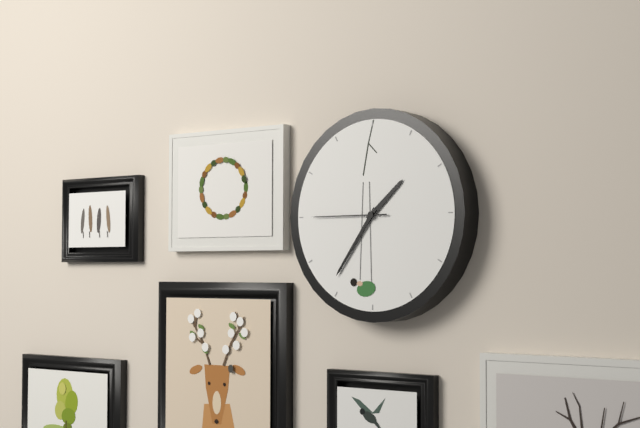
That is 1:36:45
